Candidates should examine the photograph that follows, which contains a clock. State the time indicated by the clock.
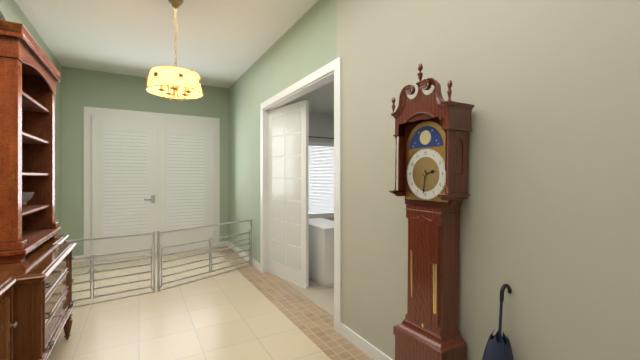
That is 2:31
